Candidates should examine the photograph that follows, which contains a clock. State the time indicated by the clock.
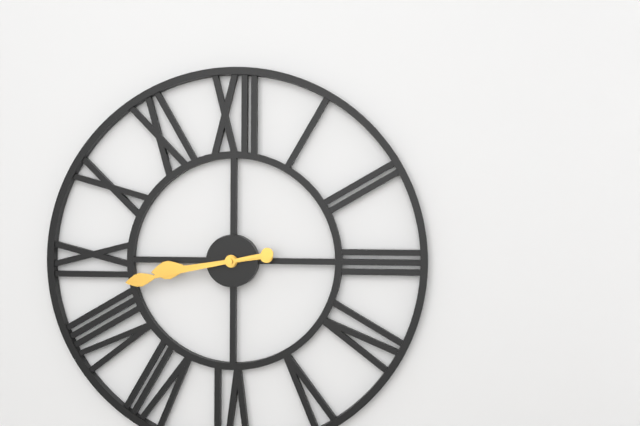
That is 8:43
